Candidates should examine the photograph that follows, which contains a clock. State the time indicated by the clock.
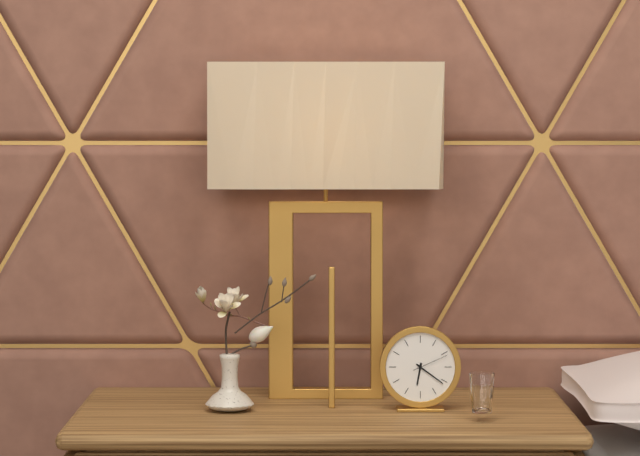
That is 6:21
